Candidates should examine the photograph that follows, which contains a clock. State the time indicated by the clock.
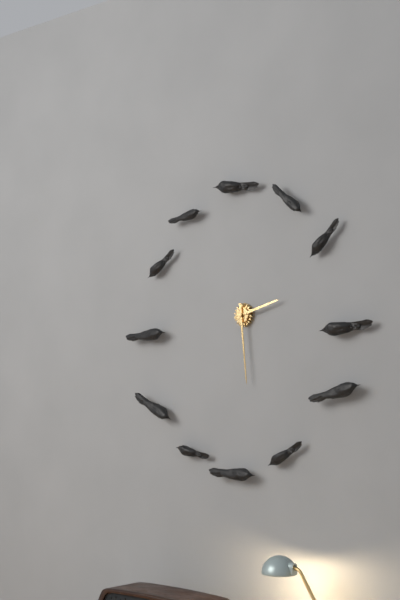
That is 2:29
